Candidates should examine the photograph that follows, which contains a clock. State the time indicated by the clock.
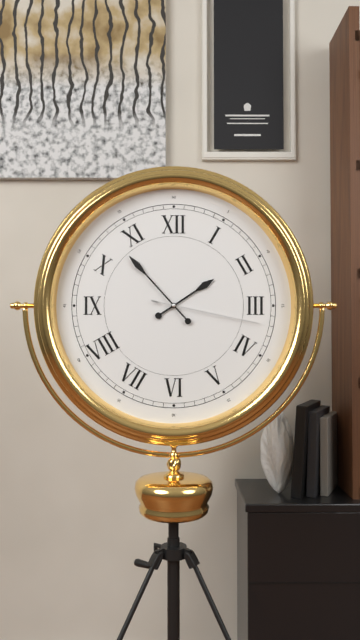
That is 1:53:17
